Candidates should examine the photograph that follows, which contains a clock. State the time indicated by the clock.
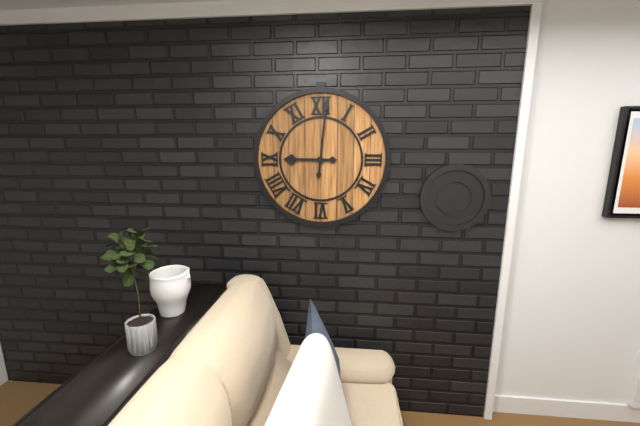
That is 9:01
